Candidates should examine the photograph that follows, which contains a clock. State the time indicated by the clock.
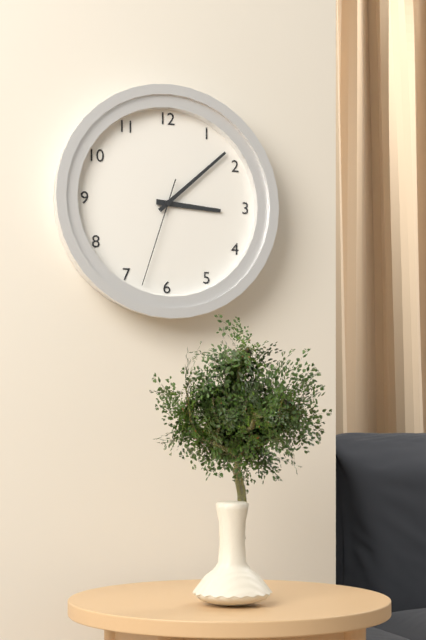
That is 3:08:33
